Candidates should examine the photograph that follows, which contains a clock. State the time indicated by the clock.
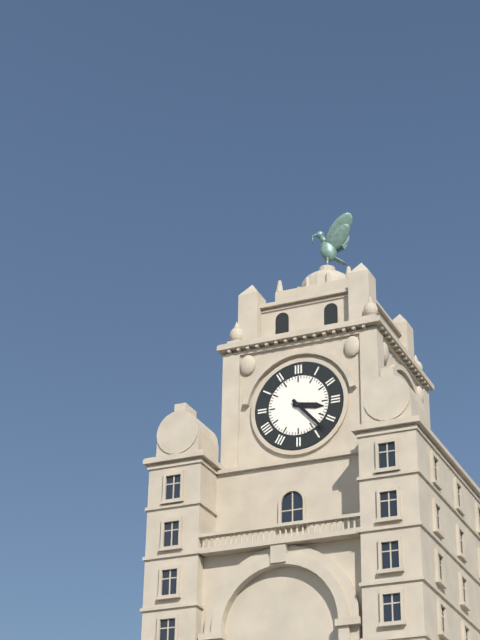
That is 3:23
